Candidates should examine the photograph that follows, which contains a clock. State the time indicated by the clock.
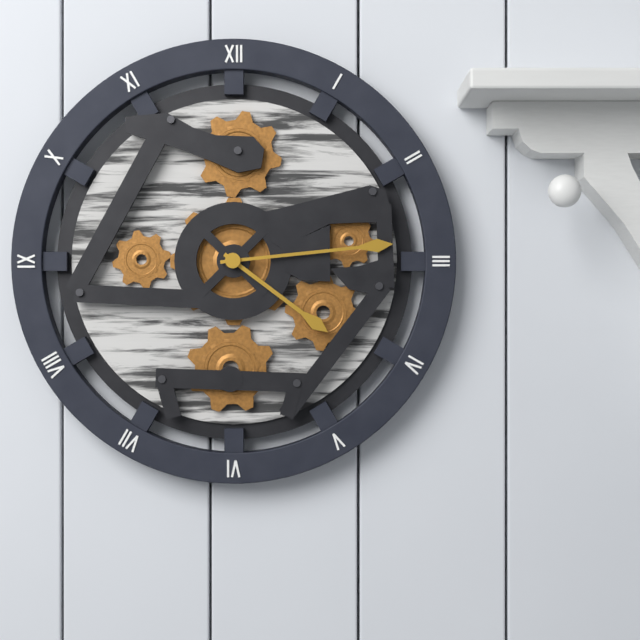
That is 4:14
